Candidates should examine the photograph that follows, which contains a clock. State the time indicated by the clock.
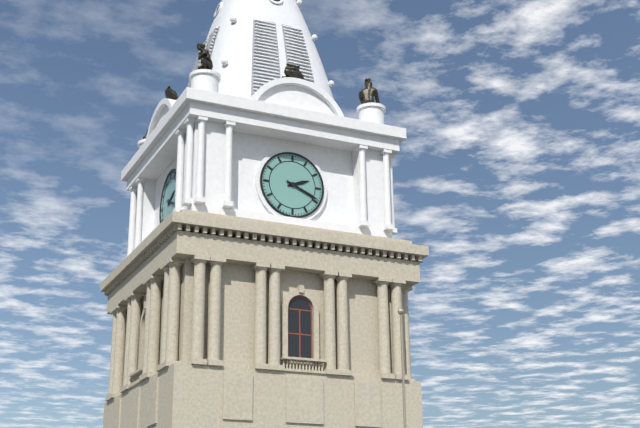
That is 2:19
